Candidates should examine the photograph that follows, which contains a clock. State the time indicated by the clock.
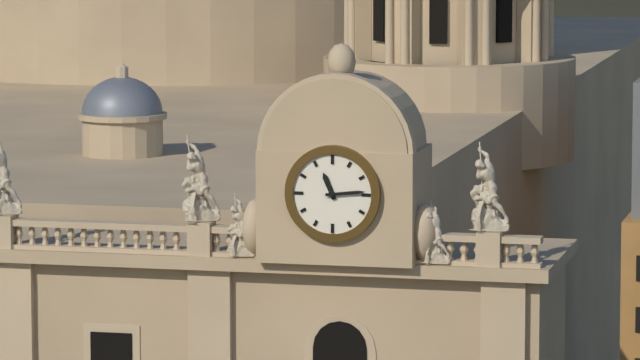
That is 11:14
